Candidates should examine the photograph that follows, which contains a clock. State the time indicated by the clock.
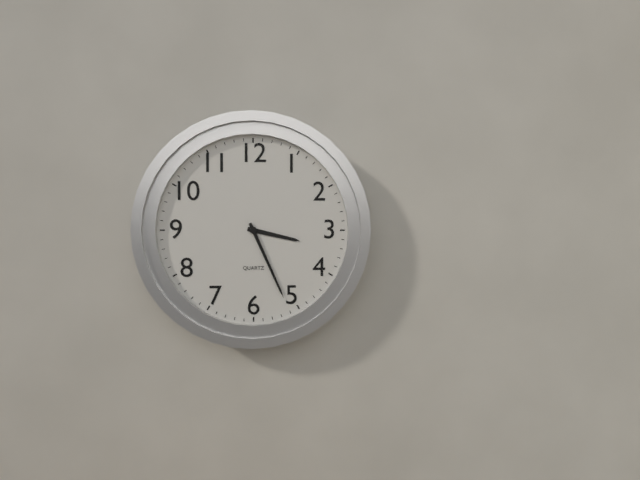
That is 3:26
